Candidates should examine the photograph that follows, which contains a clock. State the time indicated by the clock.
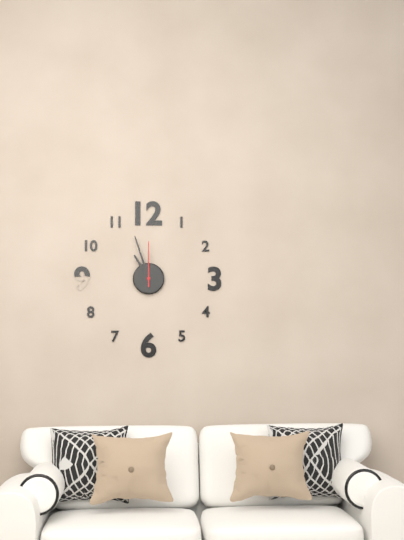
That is 10:57
